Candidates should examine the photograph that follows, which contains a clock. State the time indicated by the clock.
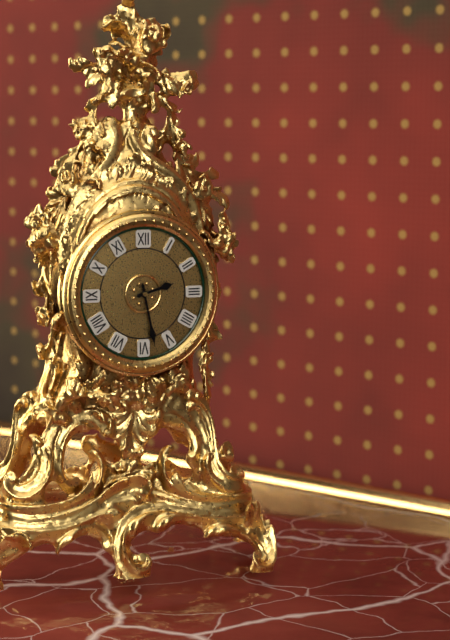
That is 2:28
